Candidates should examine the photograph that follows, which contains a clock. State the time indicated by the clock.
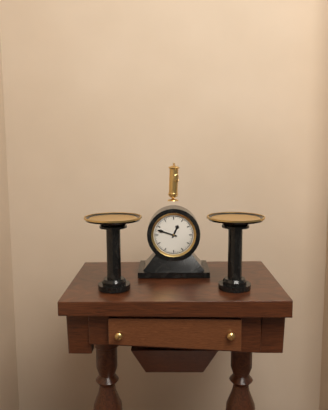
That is 12:48
